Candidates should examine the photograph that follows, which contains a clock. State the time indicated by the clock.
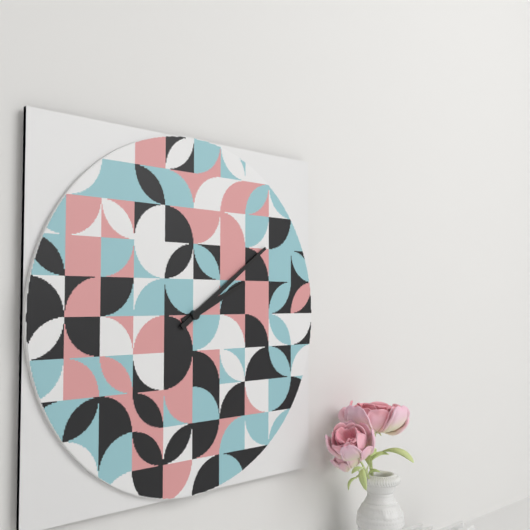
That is 2:09
